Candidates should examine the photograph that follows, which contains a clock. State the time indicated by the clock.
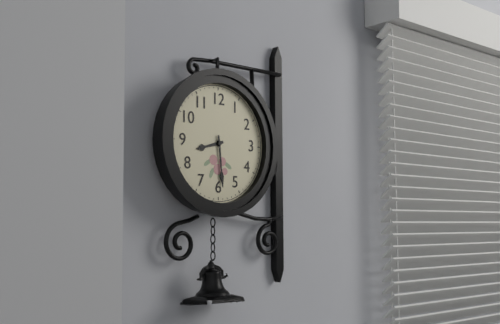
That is 8:29
